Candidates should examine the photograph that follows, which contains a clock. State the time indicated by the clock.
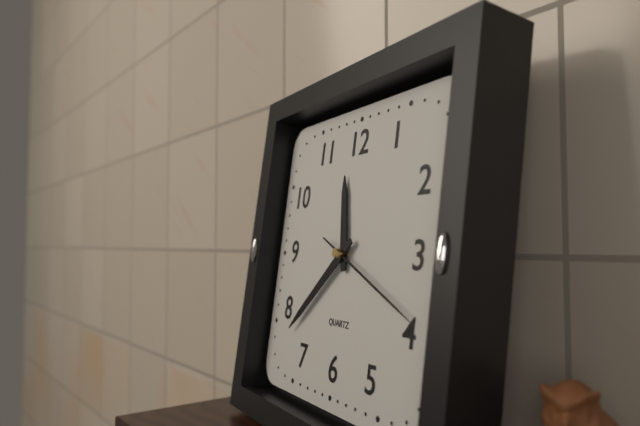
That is 11:38:19
